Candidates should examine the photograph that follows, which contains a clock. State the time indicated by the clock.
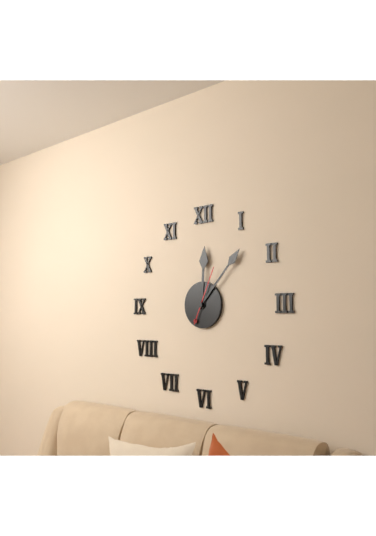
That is 12:07:04
